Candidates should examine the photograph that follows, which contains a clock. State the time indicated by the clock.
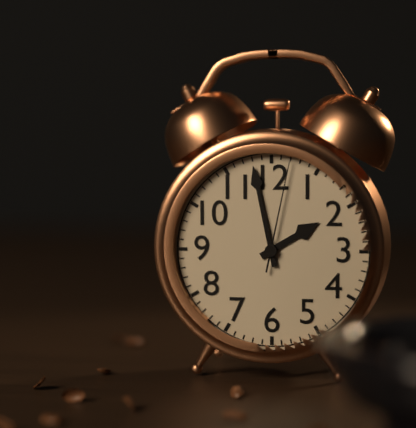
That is 1:58:02
